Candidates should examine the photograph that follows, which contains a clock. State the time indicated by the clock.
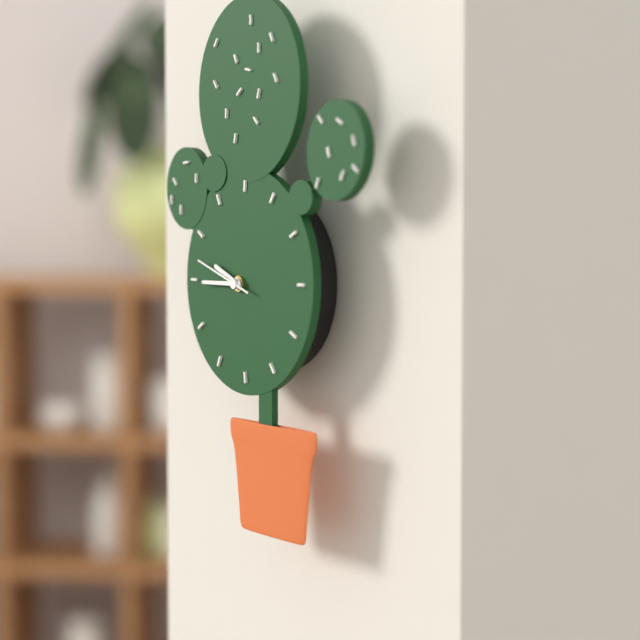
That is 9:45:48
